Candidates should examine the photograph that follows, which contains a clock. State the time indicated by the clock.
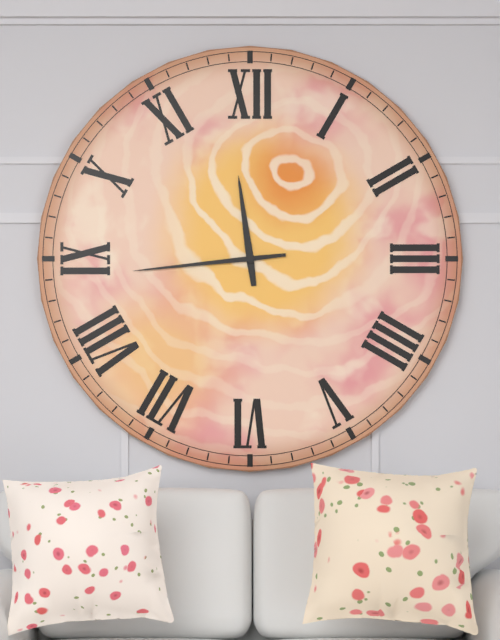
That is 11:44
